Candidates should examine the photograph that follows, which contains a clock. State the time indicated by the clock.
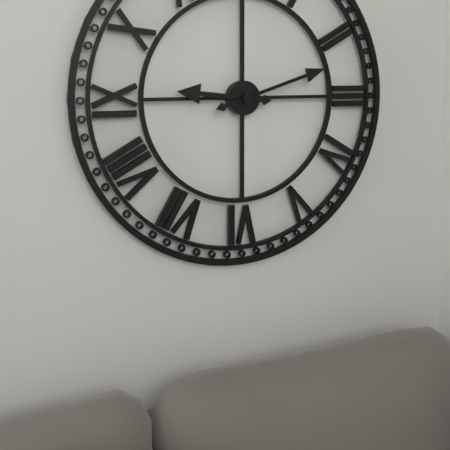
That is 9:12
